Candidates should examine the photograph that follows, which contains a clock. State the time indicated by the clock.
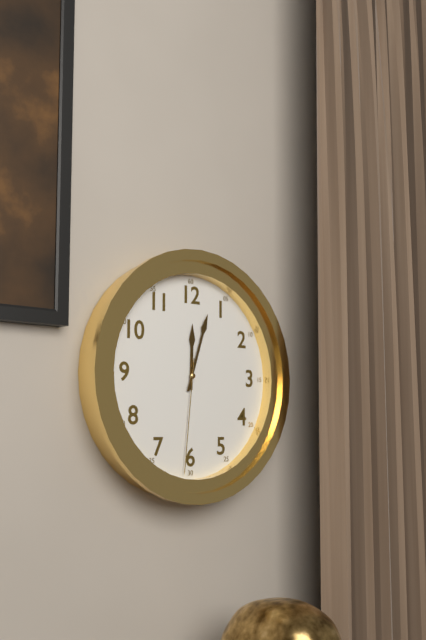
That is 12:03:31
